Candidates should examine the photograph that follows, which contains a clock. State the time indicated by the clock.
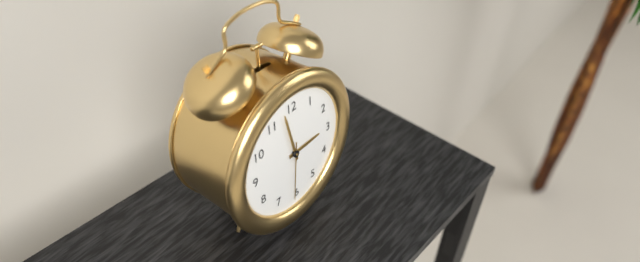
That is 2:58:31
